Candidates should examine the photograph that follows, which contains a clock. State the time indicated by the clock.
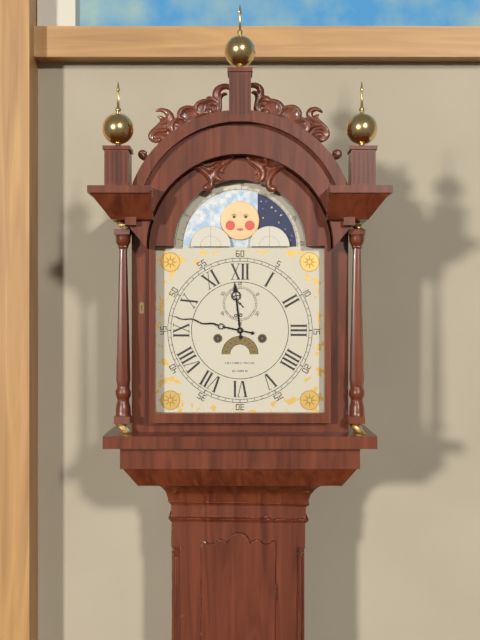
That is 11:47
